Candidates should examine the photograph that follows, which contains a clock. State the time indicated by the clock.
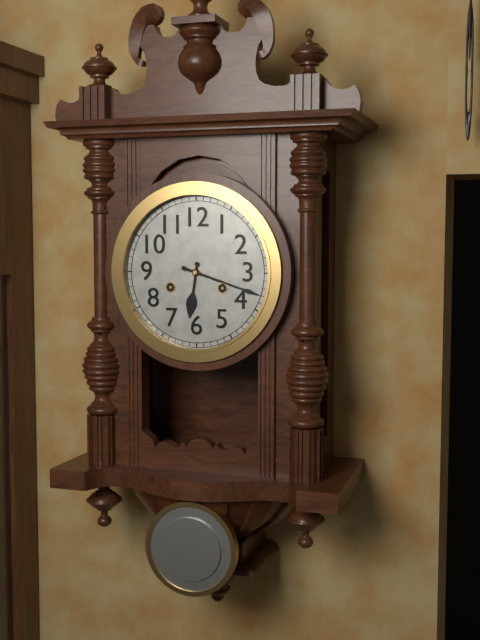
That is 6:18
